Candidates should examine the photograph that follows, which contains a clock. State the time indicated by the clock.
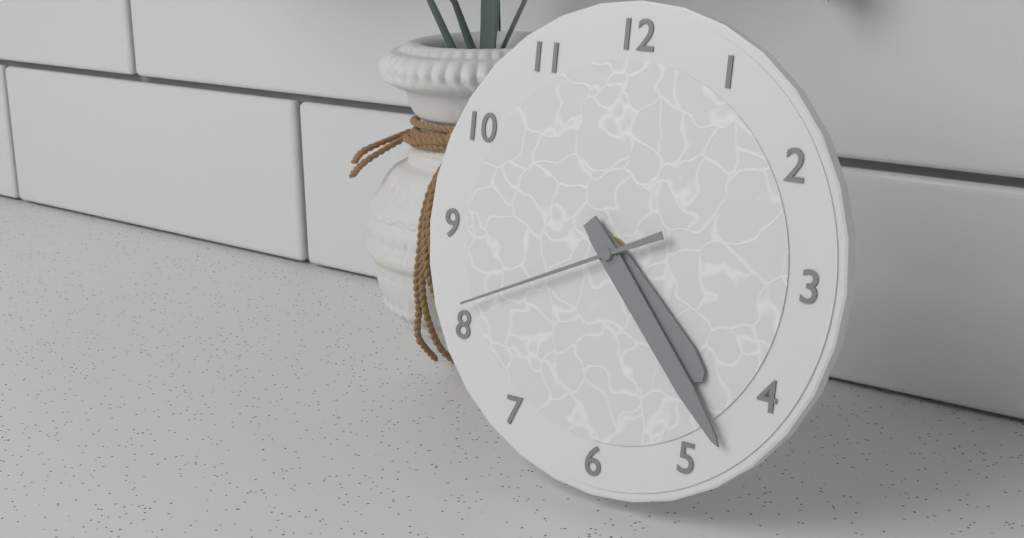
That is 4:23:41
